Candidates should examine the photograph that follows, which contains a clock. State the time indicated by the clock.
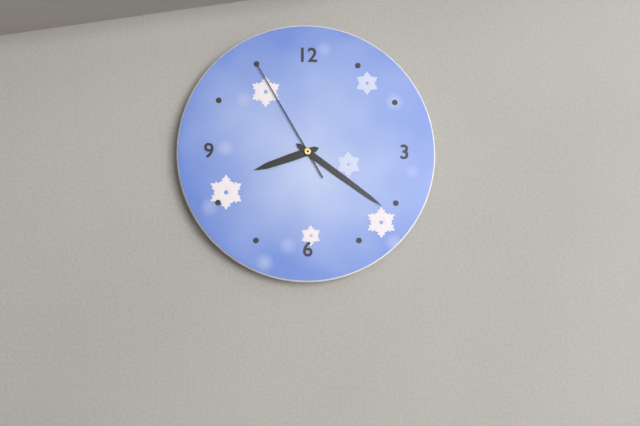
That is 8:21:55
